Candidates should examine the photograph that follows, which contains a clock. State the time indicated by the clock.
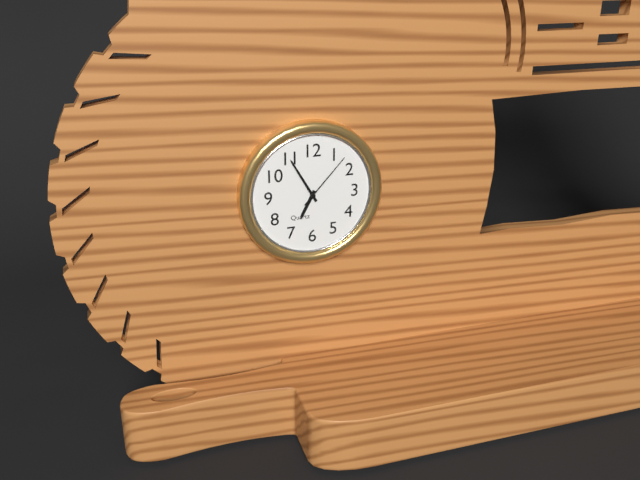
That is 6:55:07
